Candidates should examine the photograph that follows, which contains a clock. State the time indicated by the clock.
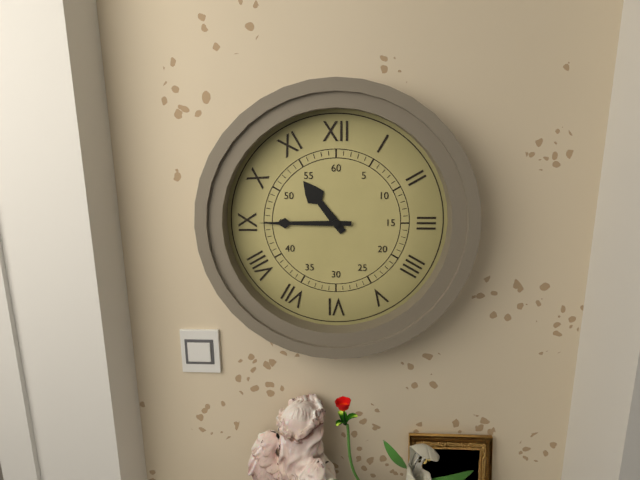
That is 10:45
